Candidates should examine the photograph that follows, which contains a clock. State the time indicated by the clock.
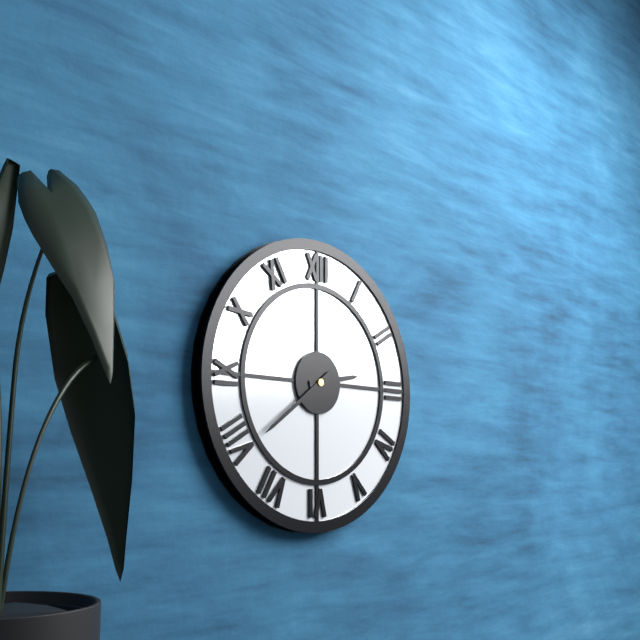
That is 2:39
